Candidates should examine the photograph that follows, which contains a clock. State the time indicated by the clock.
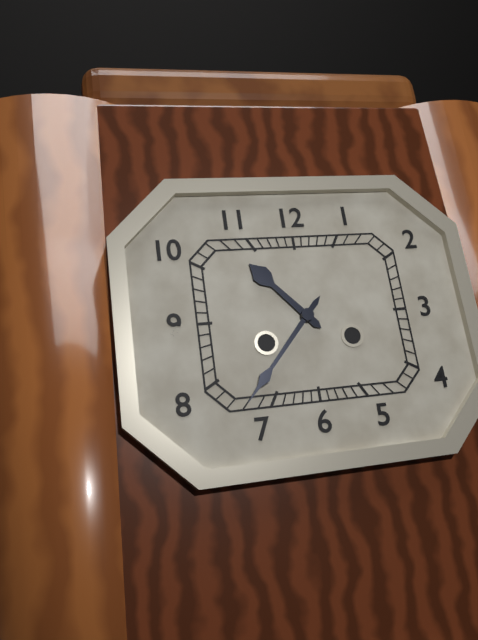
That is 10:37
